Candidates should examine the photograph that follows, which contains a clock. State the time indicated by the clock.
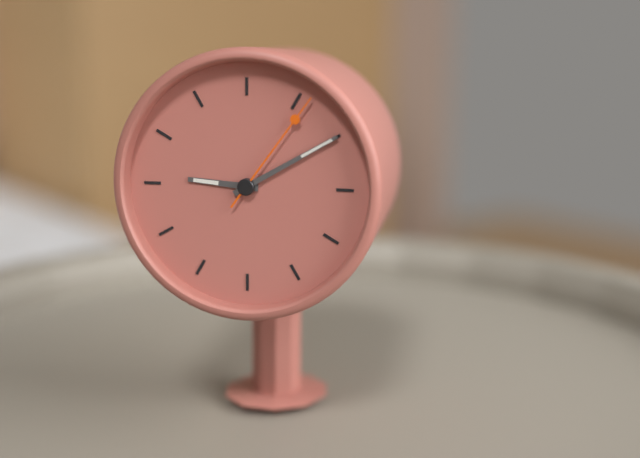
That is 9:10:06
